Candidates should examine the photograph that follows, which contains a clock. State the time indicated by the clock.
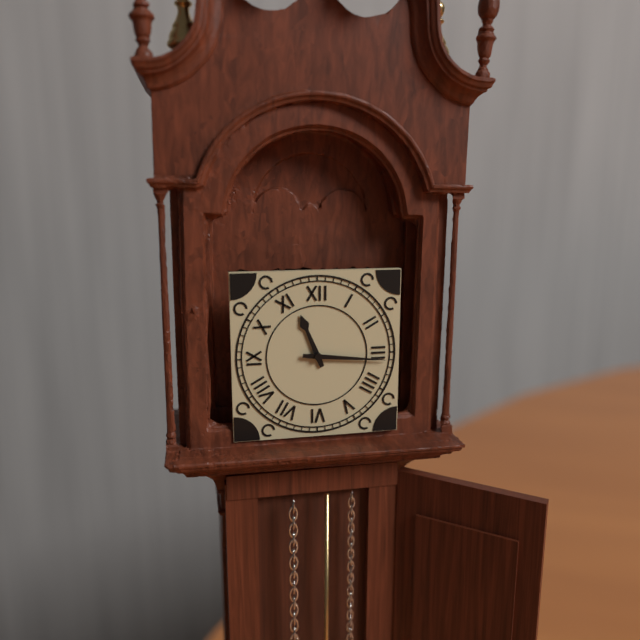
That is 11:16
